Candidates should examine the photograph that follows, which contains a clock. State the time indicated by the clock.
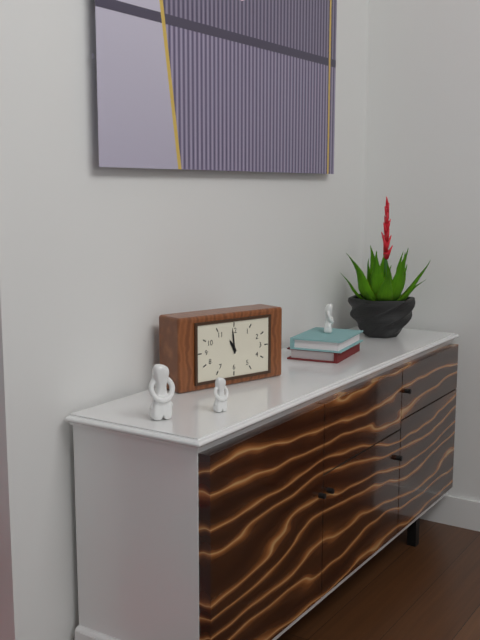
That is 10:59
